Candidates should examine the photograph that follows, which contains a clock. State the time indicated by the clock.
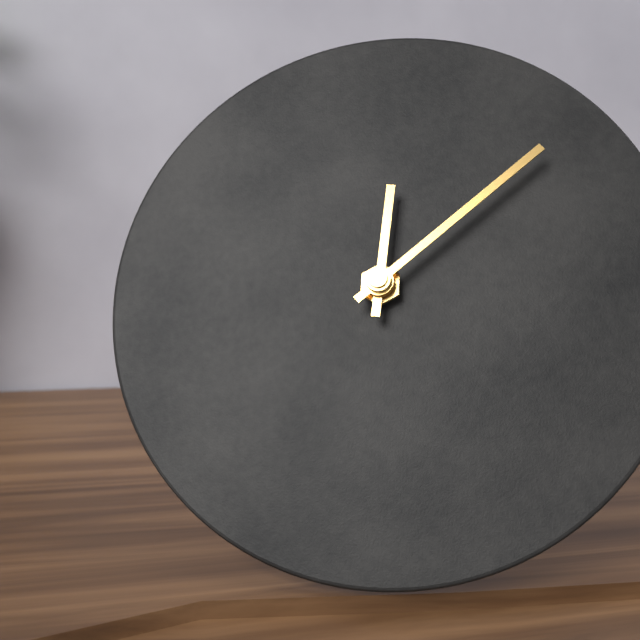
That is 12:08
